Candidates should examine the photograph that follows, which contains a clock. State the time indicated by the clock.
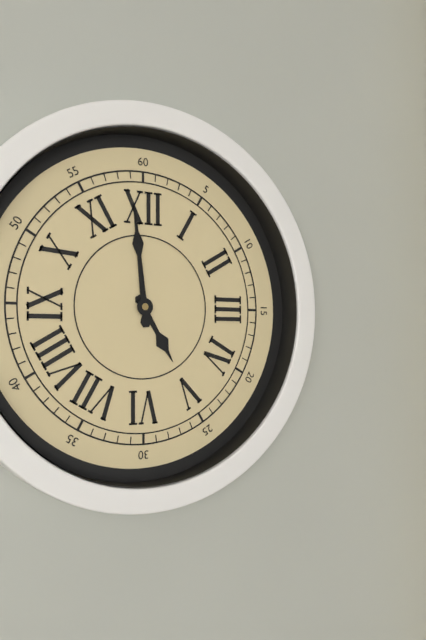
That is 4:59
